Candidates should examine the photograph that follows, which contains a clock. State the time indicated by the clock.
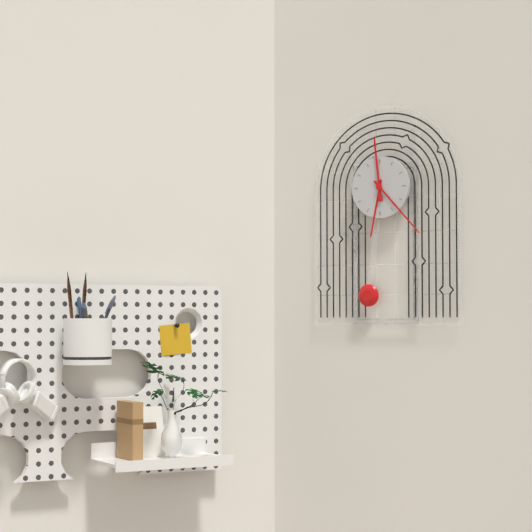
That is 6:23:59
